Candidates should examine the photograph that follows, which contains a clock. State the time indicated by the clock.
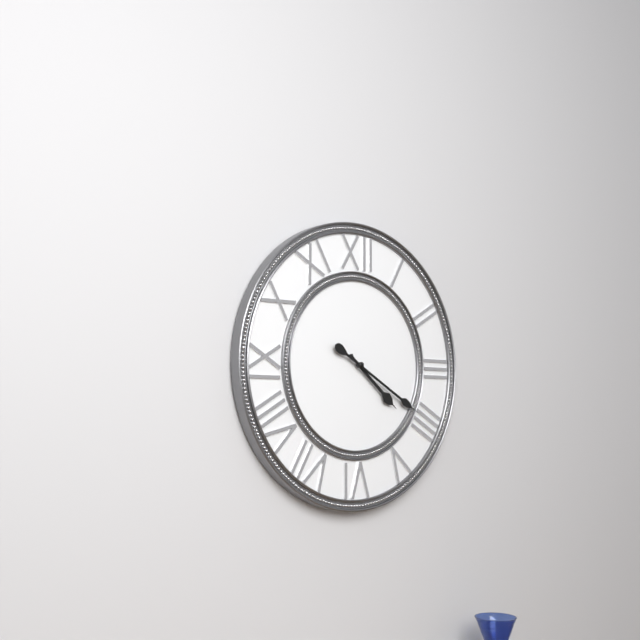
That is 4:20
